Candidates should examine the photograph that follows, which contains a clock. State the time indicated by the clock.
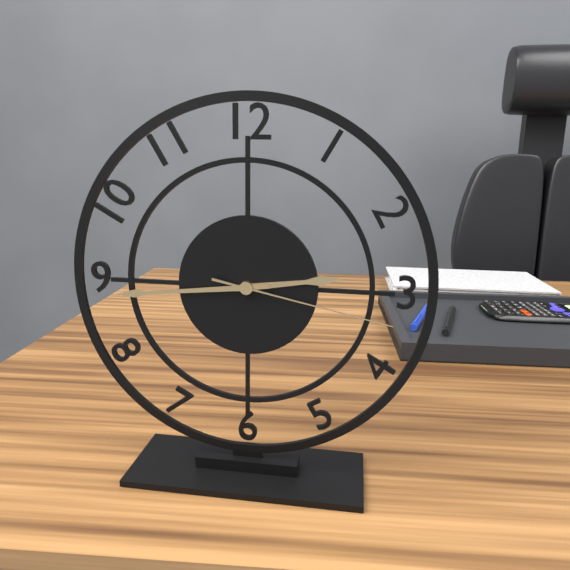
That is 2:44:17
